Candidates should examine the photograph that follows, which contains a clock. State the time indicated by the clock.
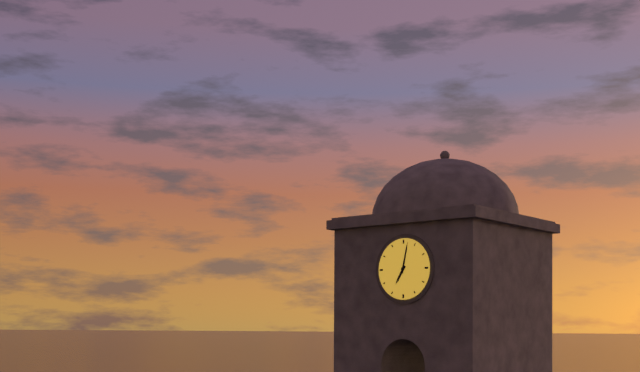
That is 7:02
